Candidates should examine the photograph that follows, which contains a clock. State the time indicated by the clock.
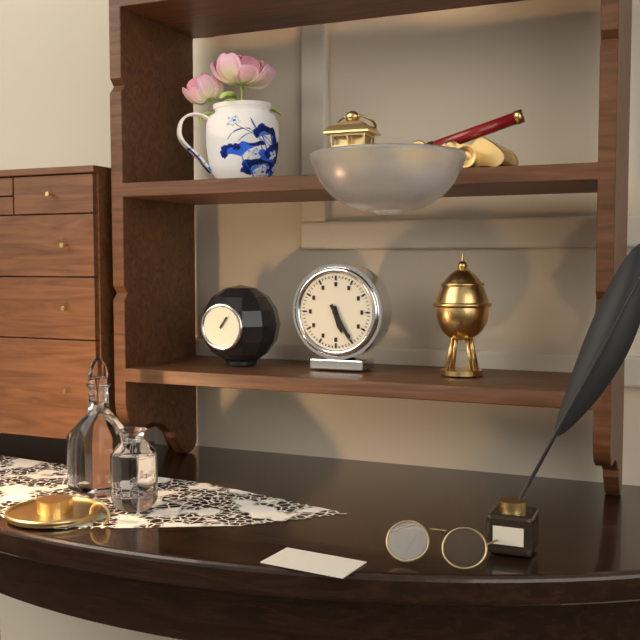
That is 5:25
